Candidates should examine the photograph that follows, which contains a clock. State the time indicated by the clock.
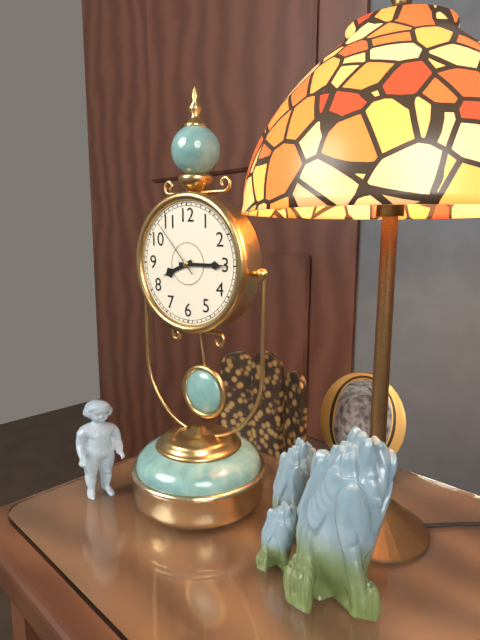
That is 8:15:53
